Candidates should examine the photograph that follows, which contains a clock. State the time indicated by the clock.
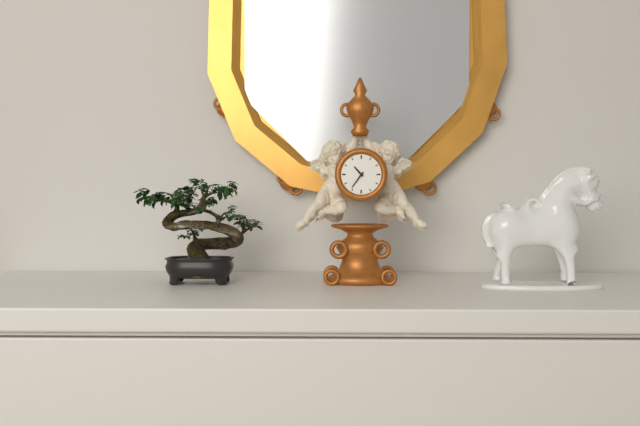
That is 10:36
